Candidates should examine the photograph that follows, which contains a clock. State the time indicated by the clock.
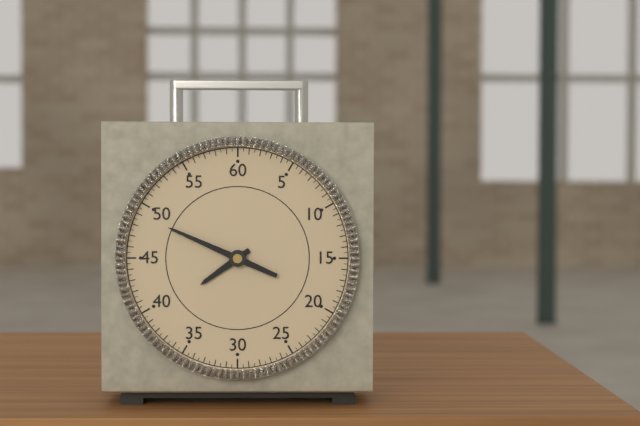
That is 7:49
